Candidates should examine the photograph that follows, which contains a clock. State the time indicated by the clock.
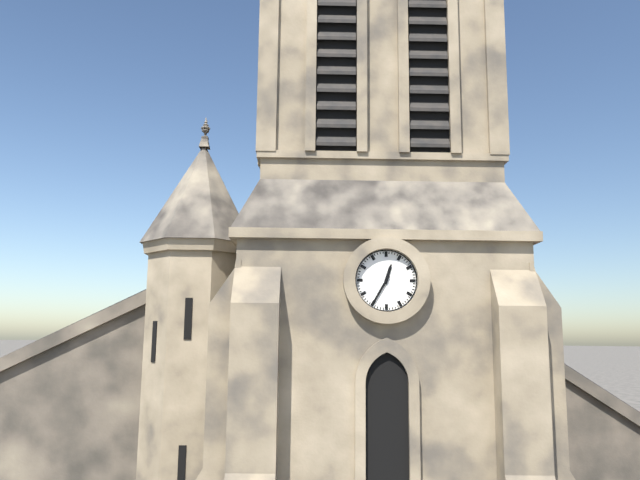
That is 12:35
